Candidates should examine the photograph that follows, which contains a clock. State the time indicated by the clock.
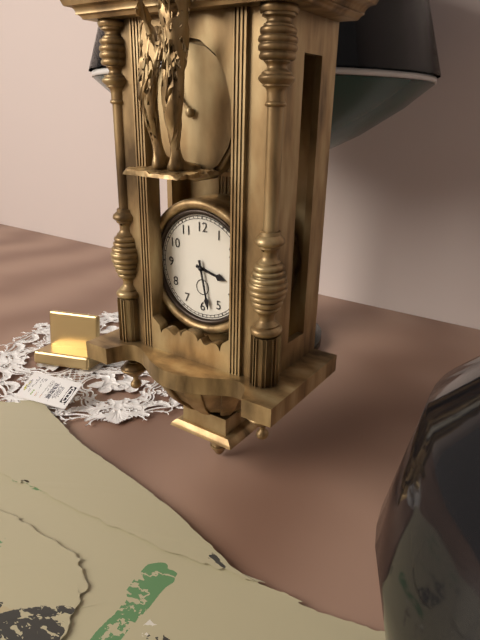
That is 3:28
